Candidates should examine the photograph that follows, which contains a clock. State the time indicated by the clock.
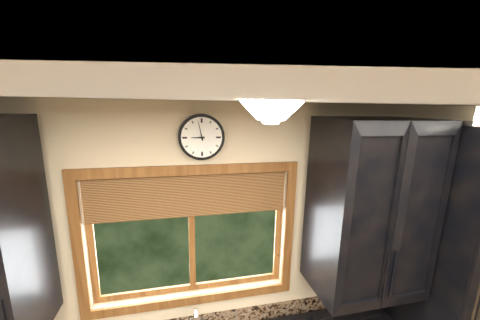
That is 8:58
